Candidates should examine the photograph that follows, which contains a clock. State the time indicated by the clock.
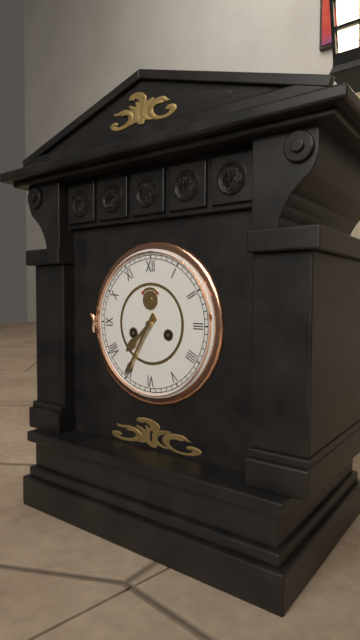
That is 7:35
